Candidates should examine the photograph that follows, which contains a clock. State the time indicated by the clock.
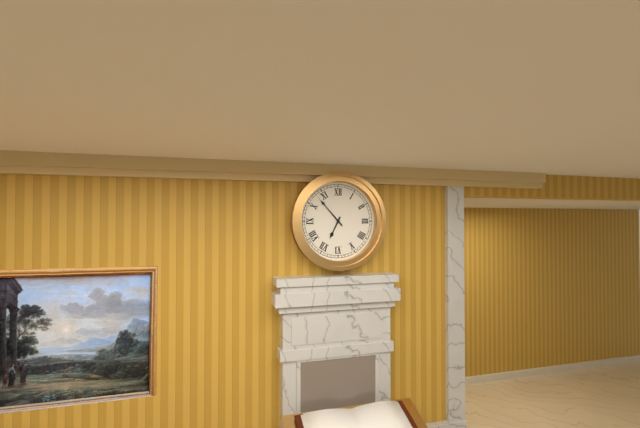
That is 6:53
